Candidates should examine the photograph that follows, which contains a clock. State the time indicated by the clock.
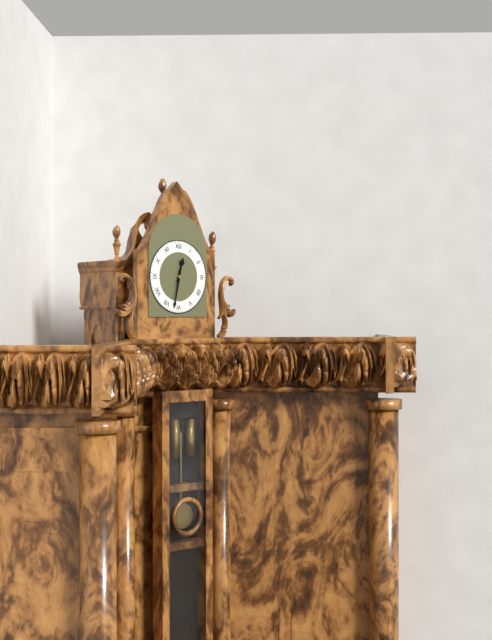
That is 12:32
